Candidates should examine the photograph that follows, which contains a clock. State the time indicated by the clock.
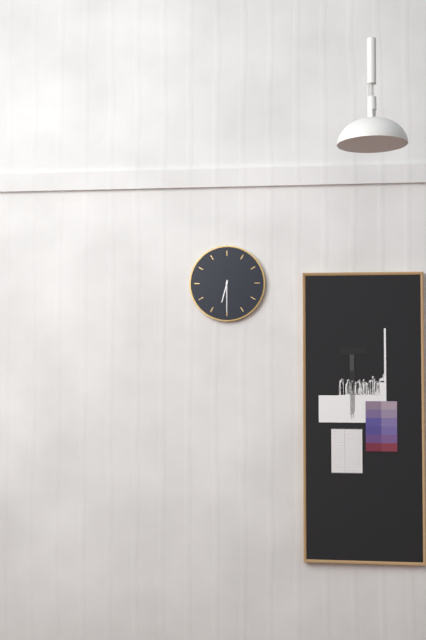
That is 6:30
